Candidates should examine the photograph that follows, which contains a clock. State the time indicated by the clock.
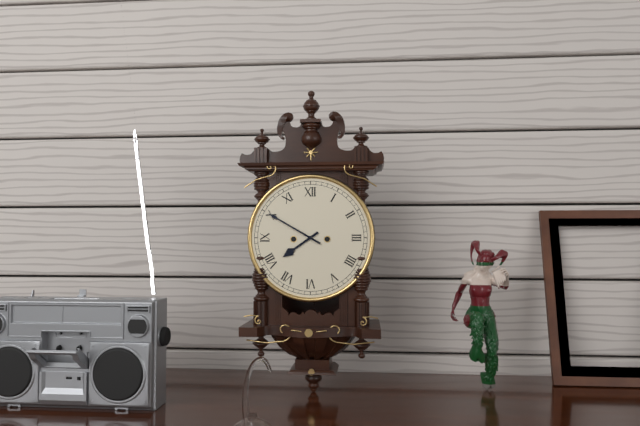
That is 7:50
